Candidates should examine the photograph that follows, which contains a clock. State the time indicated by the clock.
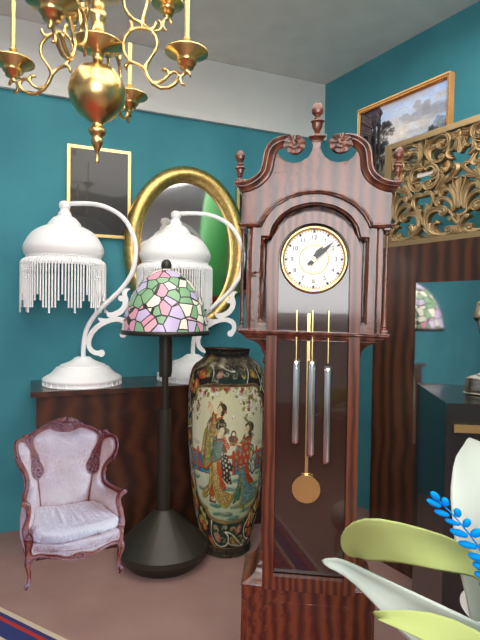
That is 1:08
